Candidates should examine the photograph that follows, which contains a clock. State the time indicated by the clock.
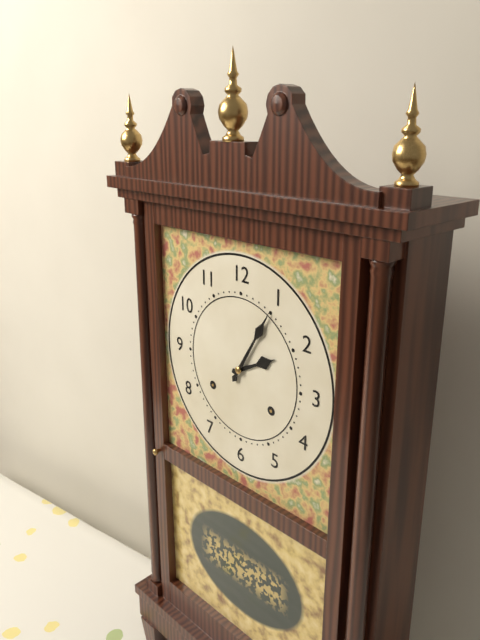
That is 2:05
